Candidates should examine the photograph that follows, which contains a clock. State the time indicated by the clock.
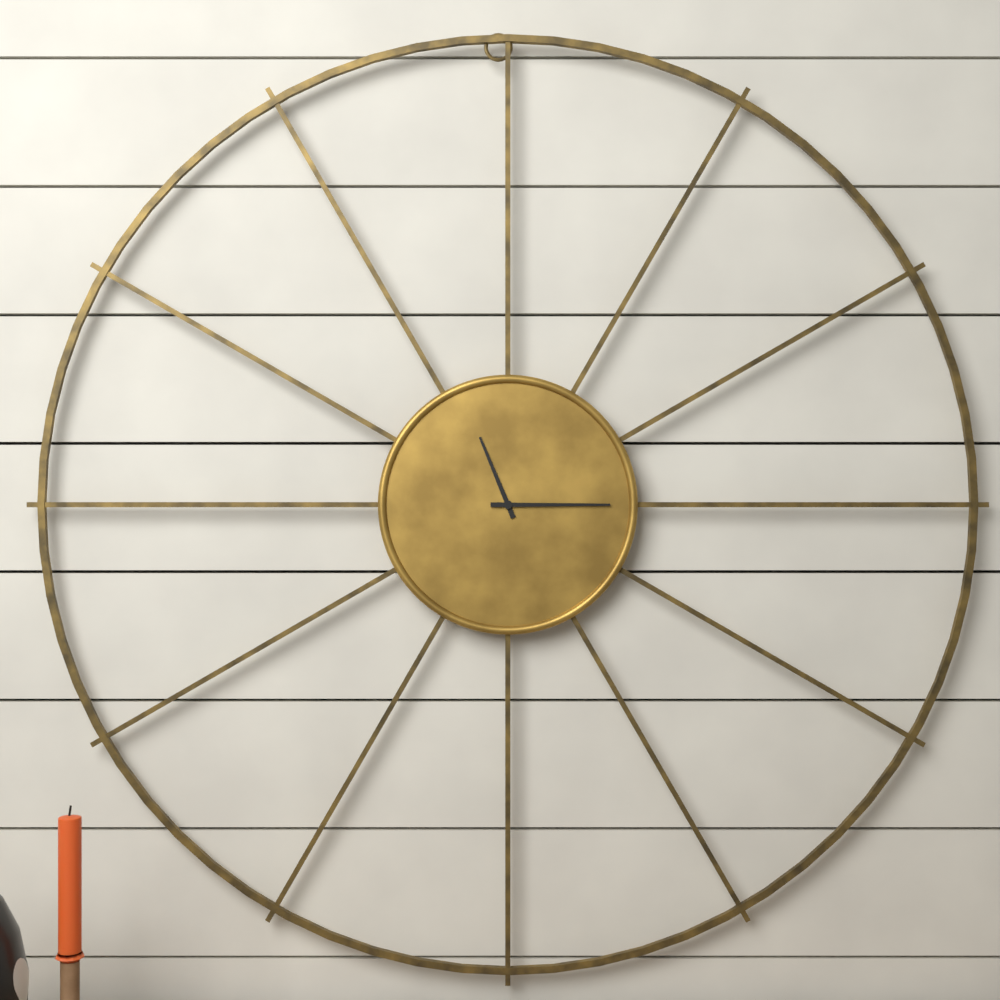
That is 11:15
